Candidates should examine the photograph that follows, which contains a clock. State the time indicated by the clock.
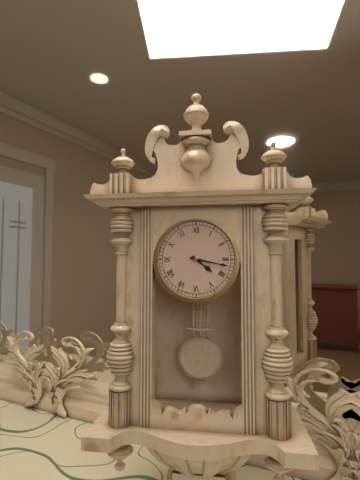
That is 4:17
